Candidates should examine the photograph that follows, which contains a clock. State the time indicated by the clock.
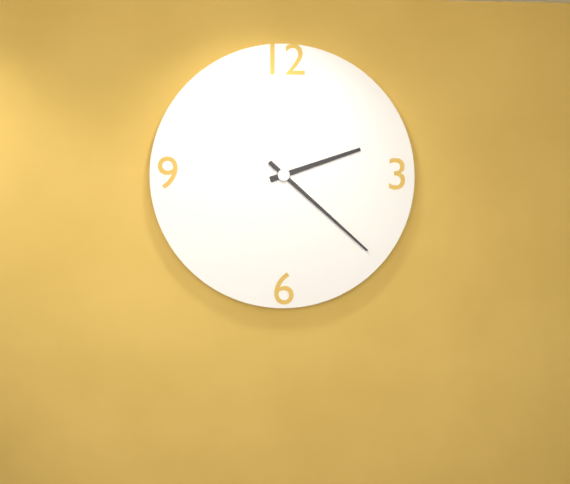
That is 2:22
